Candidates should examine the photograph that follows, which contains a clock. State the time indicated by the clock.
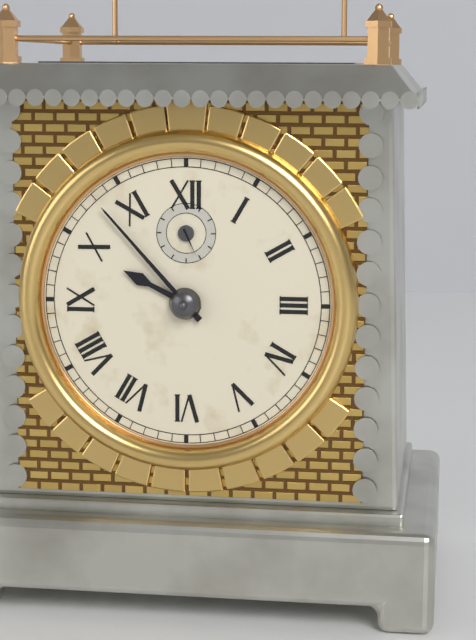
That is 9:53
